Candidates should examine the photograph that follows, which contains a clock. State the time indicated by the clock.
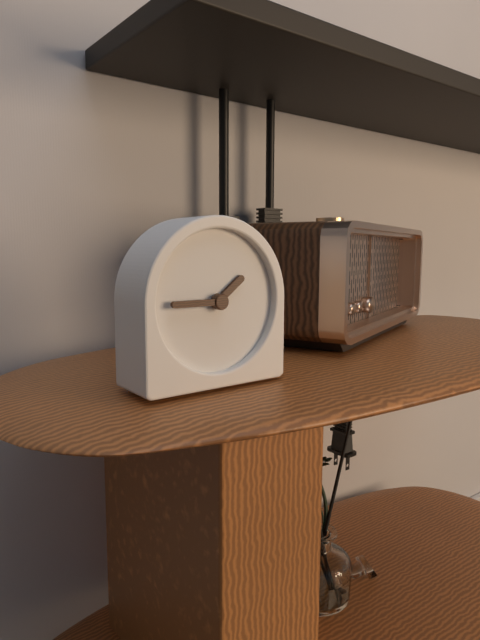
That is 1:45
